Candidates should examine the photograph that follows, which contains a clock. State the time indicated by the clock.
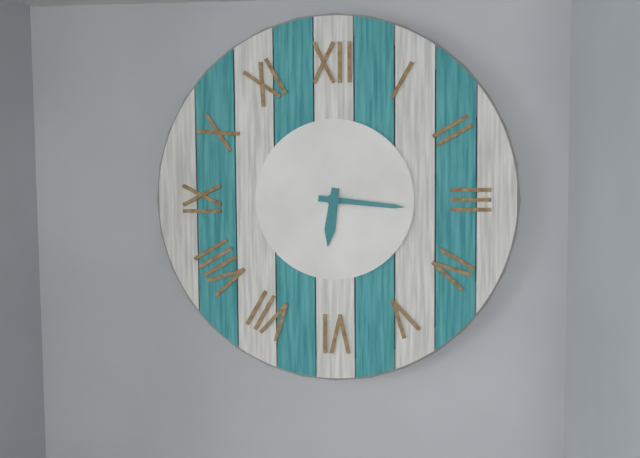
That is 6:16
